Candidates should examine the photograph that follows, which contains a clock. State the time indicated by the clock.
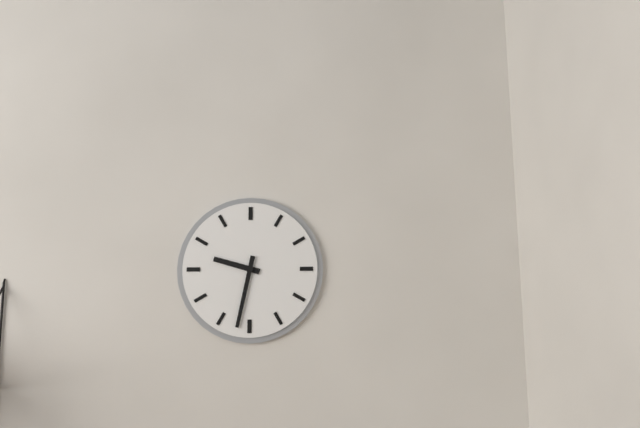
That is 9:32
